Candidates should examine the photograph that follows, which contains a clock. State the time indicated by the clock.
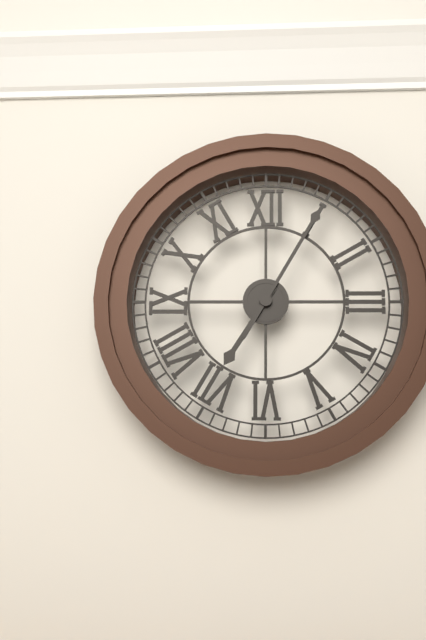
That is 7:05
